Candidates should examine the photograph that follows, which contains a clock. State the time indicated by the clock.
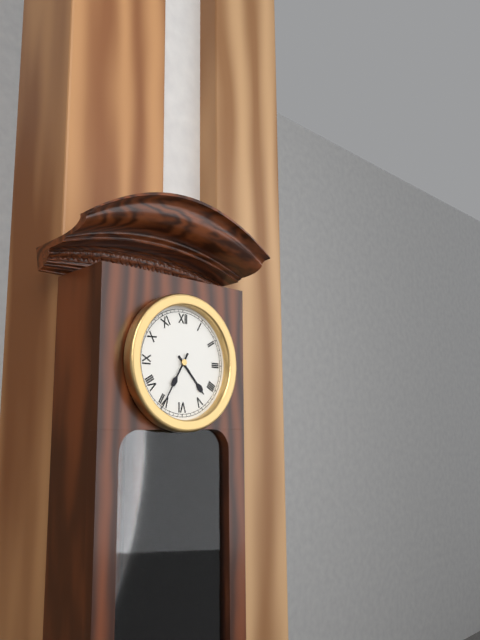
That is 4:35
